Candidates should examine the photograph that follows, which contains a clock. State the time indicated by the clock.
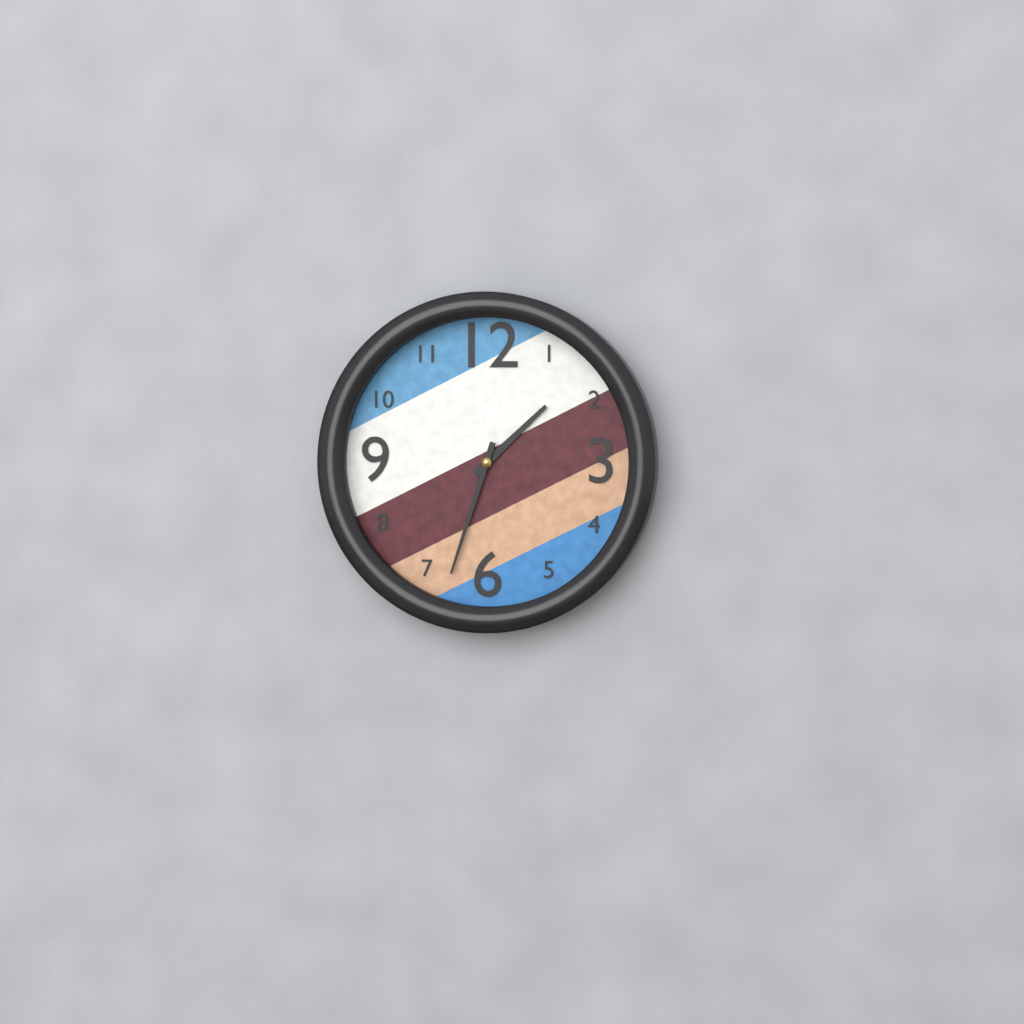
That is 1:33
